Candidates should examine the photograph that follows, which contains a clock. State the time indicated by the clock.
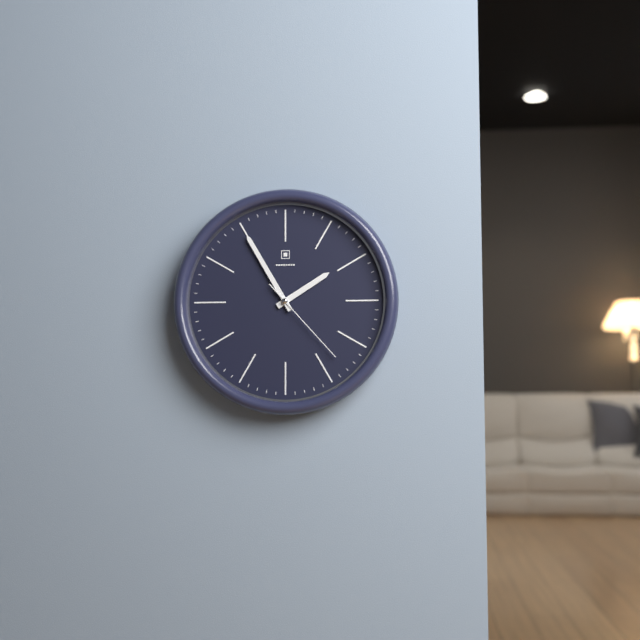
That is 1:55:23
